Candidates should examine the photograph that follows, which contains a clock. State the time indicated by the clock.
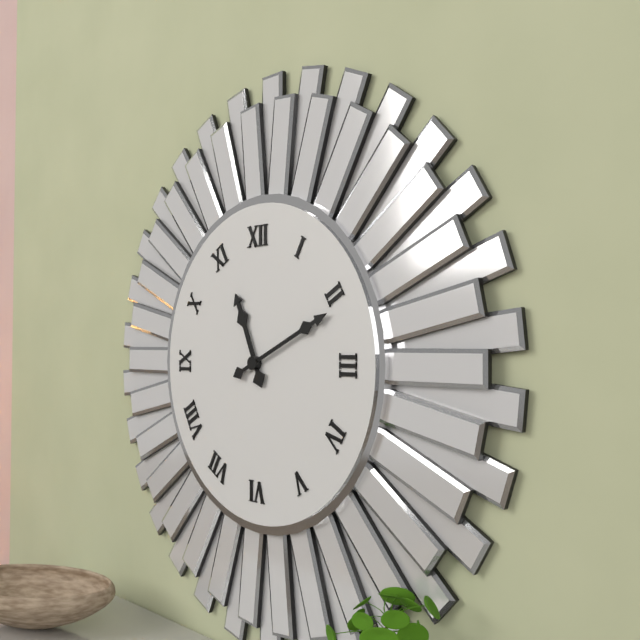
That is 11:11
